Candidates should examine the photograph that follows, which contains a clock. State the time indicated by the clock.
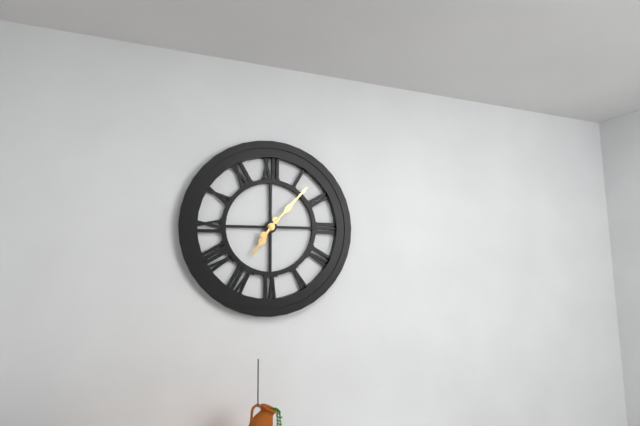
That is 7:07
